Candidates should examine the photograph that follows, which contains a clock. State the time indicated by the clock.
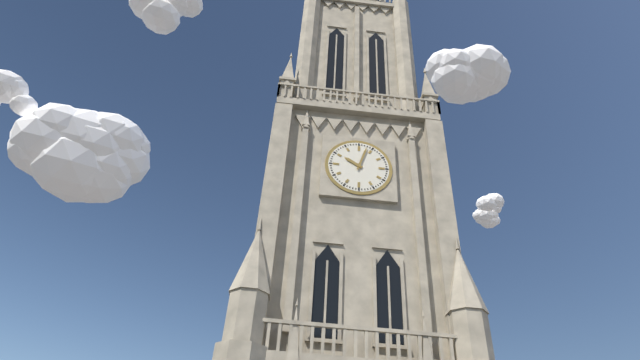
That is 10:03
